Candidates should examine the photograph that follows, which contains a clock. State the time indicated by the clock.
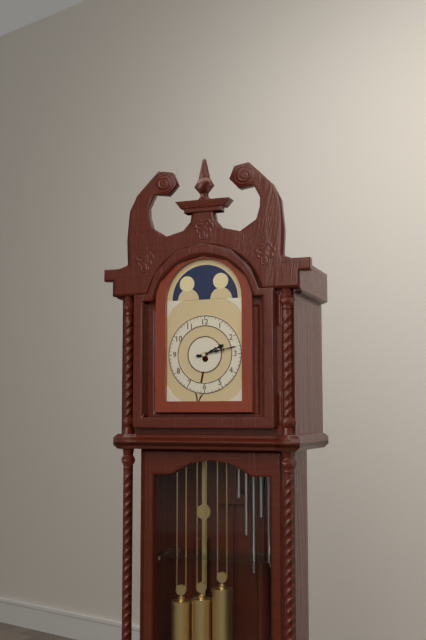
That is 2:13
